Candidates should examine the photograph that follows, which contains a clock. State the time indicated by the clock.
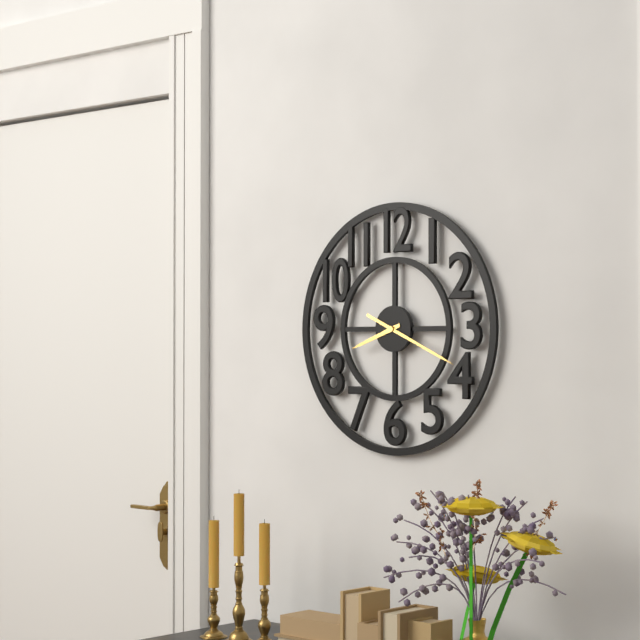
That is 8:19
